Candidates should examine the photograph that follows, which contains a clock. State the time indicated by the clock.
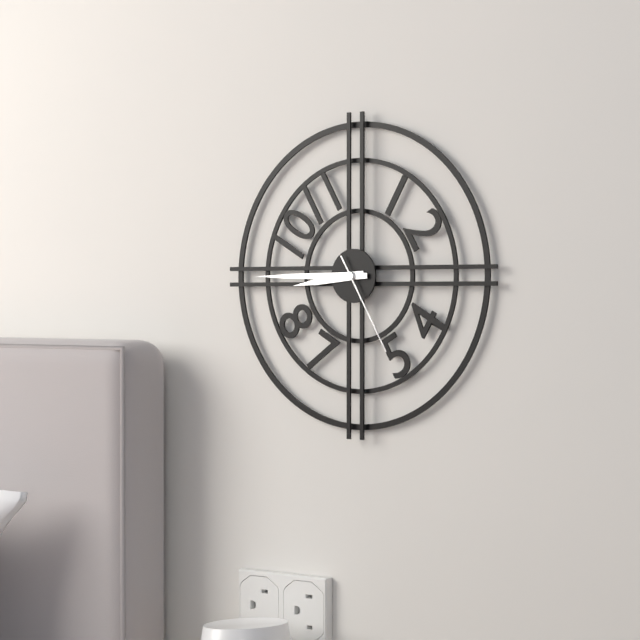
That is 8:45:25
